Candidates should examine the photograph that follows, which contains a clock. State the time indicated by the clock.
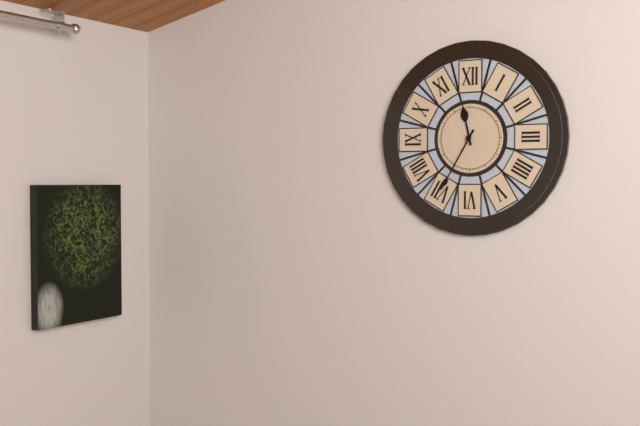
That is 11:35
